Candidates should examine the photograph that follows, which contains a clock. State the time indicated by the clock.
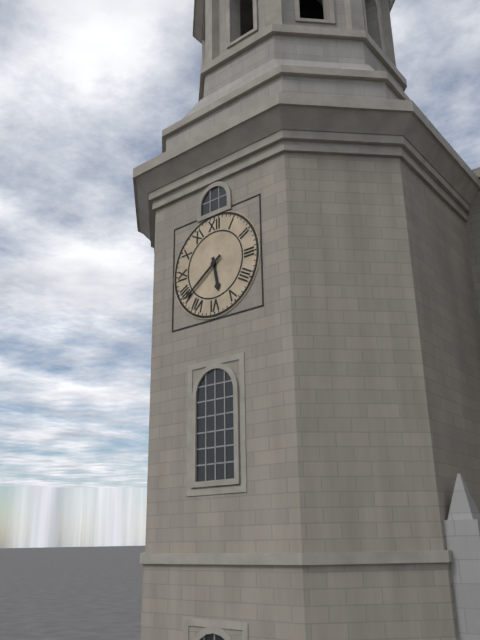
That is 5:39
